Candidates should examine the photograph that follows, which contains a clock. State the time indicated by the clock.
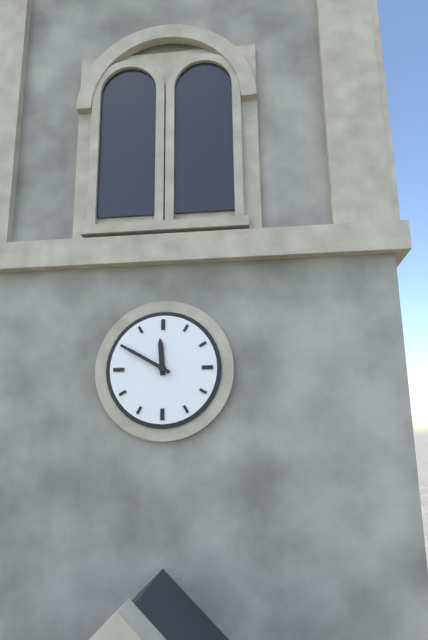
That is 11:50
